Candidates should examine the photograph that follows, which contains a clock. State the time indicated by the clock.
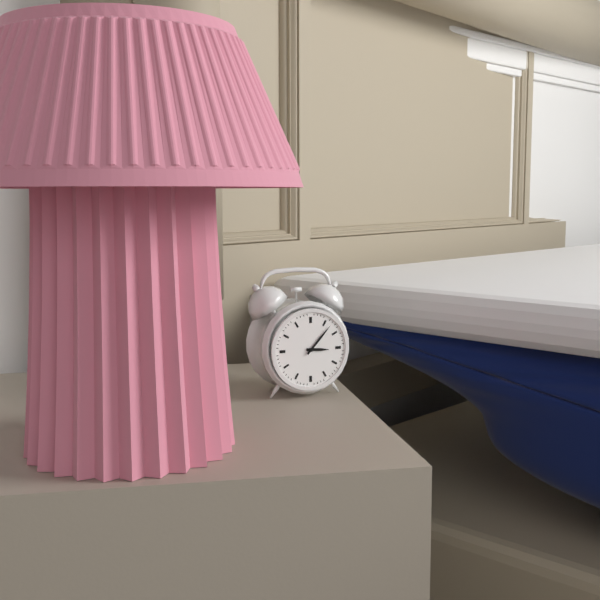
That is 3:07
